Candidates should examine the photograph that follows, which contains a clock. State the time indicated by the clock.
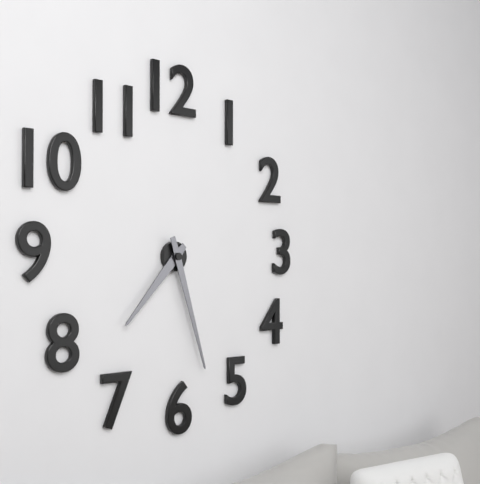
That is 7:27
